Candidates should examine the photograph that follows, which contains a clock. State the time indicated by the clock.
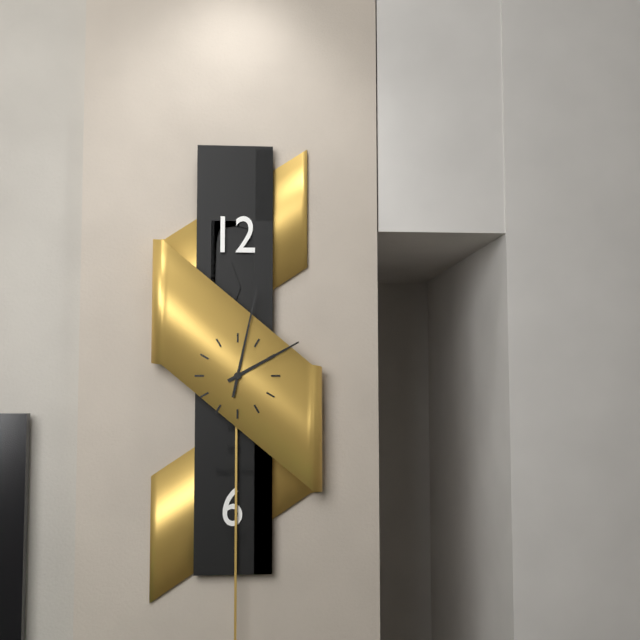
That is 2:02
